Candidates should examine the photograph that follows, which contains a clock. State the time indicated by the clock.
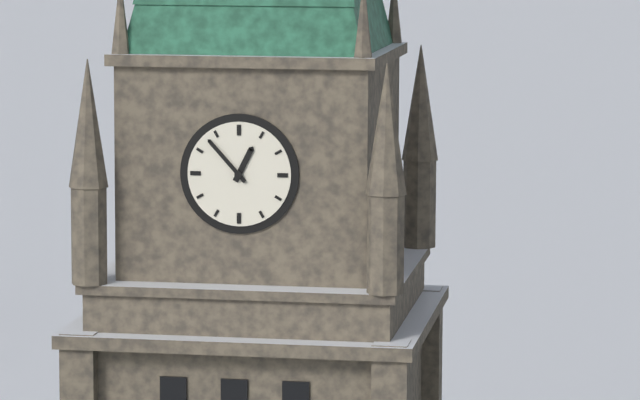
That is 12:53
